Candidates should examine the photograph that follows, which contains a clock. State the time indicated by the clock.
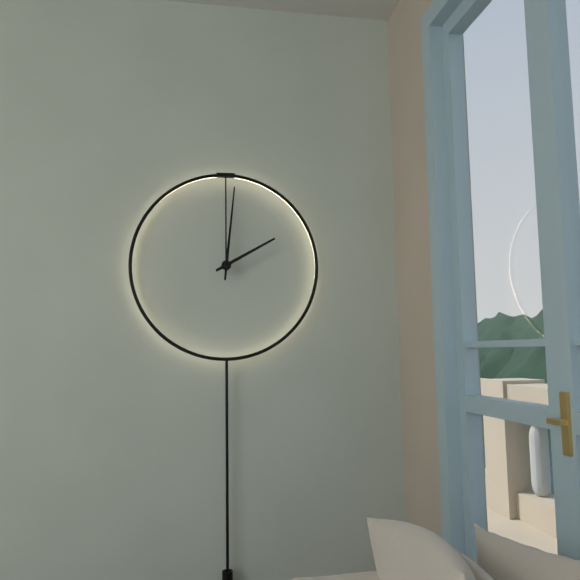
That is 2:01
